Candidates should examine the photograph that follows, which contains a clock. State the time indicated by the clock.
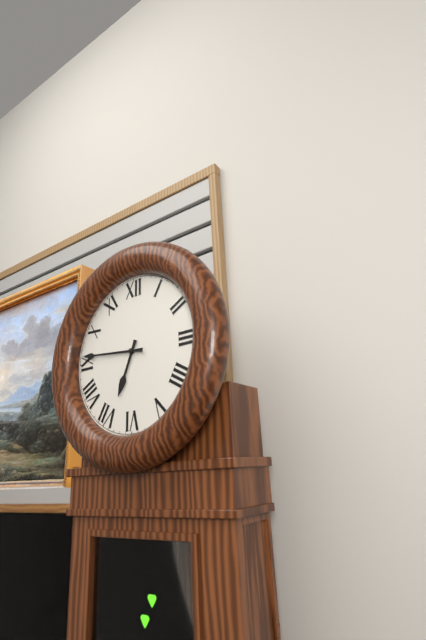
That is 6:46
